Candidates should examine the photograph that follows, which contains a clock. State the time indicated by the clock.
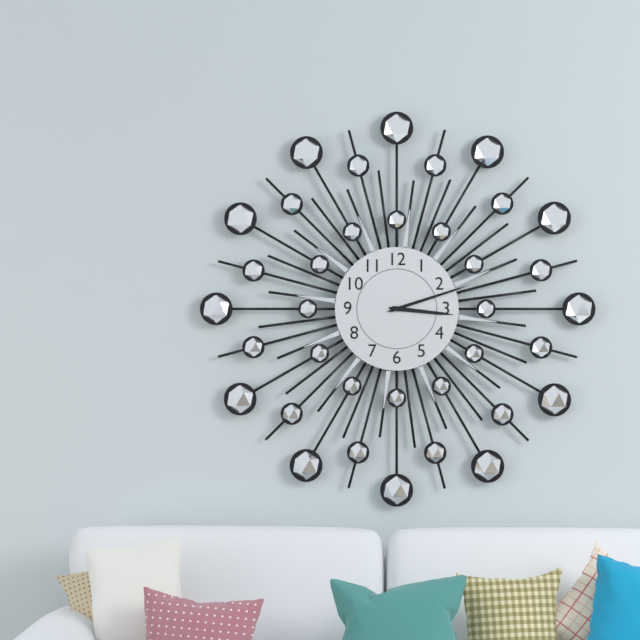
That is 3:12
